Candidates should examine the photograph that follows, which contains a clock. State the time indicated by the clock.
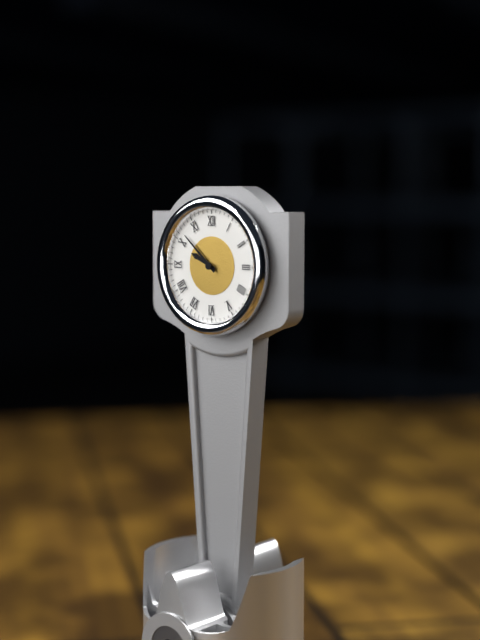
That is 9:52
